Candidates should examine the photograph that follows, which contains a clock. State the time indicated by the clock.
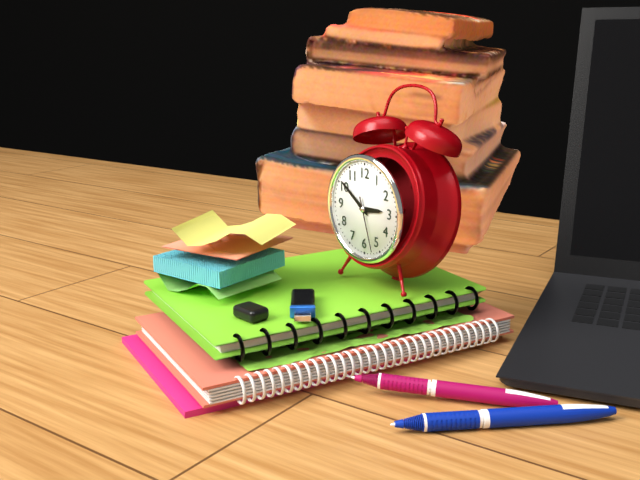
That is 2:51:27
